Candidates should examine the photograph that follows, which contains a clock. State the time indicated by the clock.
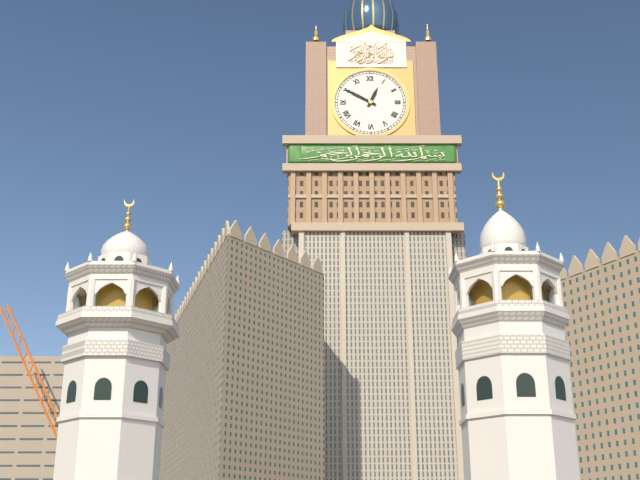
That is 12:50
